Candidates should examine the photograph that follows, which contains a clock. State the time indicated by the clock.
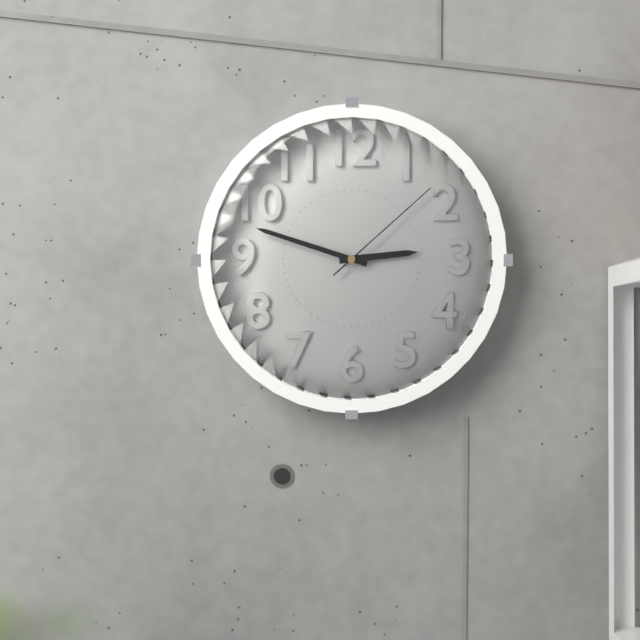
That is 2:48:08
